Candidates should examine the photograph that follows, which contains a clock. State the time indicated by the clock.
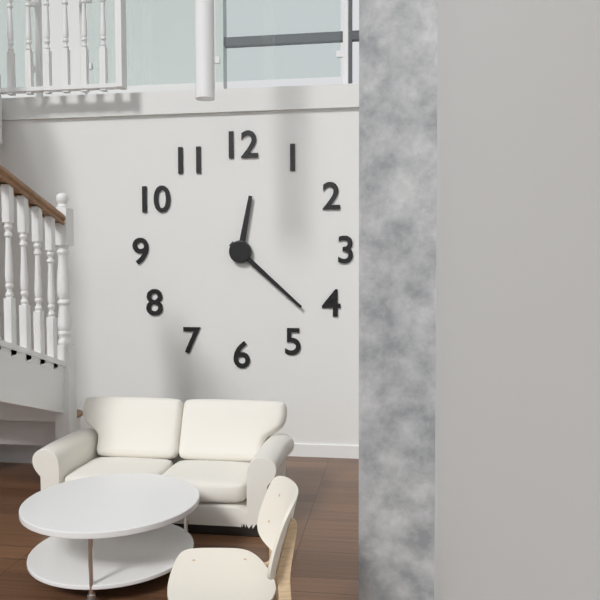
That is 12:22
